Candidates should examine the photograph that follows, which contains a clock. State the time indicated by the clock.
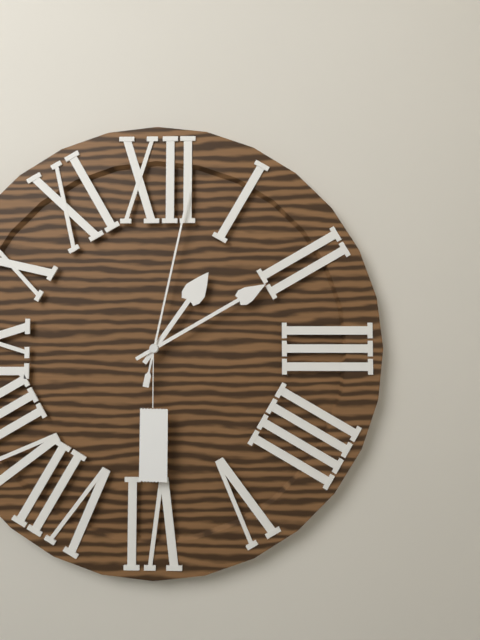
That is 1:10:02
